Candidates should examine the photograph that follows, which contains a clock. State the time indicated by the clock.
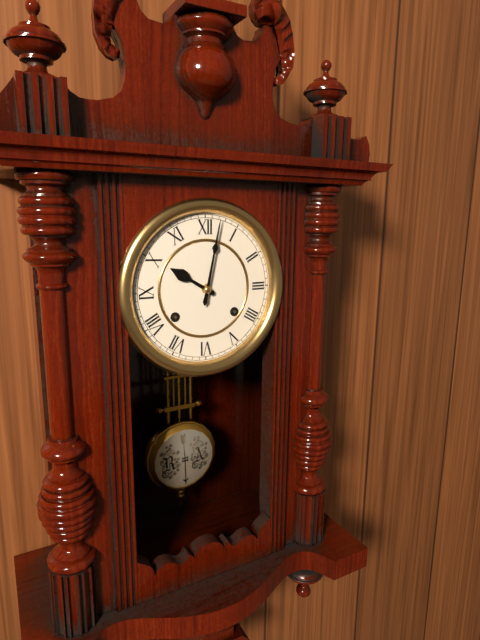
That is 10:02
